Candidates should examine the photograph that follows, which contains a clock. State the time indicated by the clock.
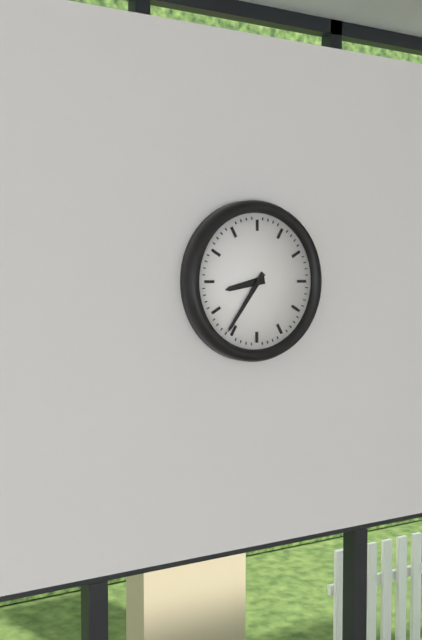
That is 8:36
